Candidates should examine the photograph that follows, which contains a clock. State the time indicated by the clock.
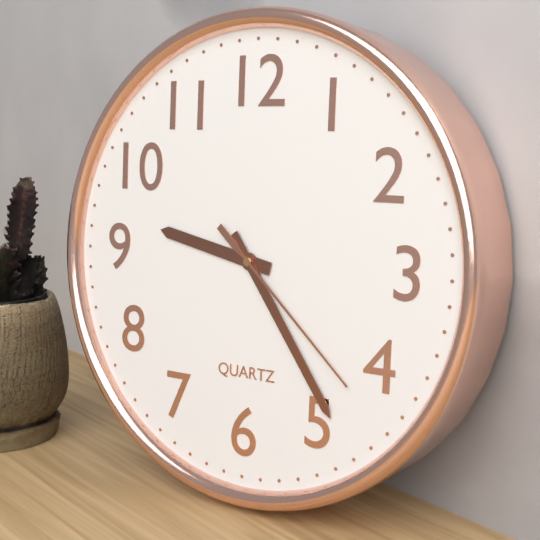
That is 9:24:22
